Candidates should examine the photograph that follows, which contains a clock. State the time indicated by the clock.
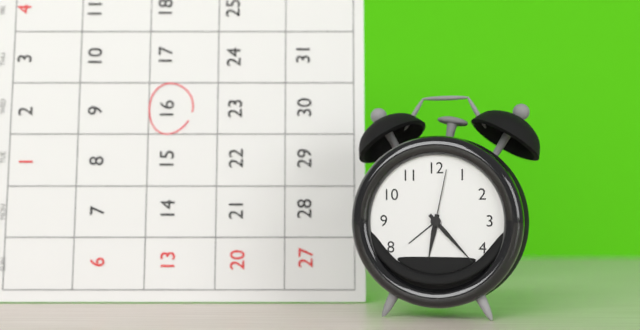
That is 6:23:02
